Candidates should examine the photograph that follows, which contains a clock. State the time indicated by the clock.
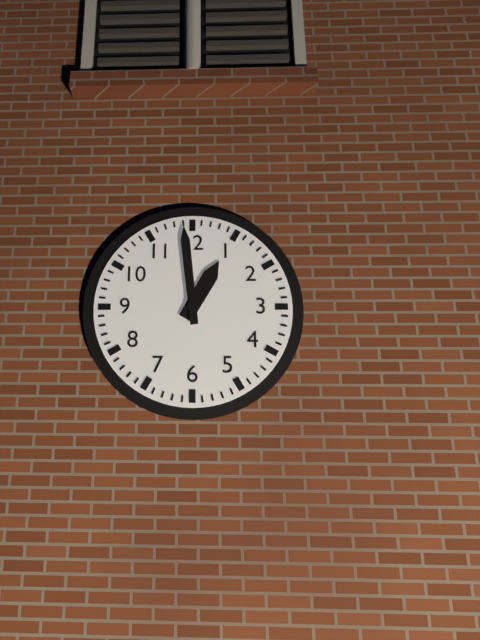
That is 12:59
